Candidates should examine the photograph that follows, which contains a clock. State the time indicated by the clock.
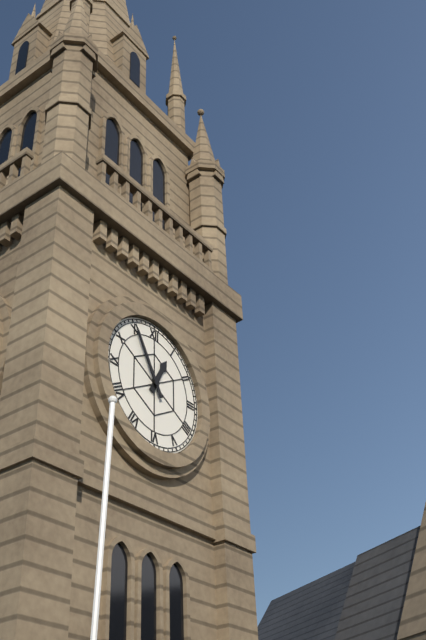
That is 12:55
